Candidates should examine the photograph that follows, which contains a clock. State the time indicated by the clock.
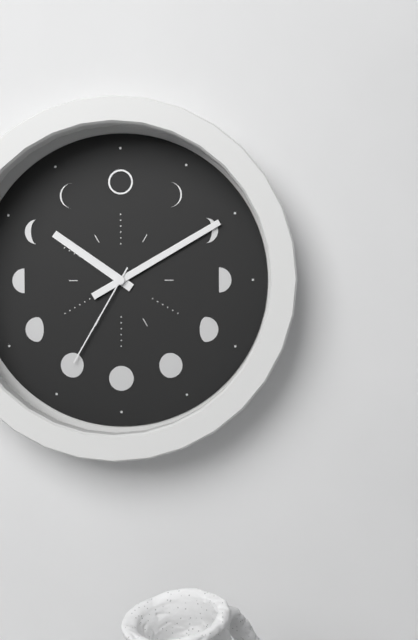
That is 10:10:35
